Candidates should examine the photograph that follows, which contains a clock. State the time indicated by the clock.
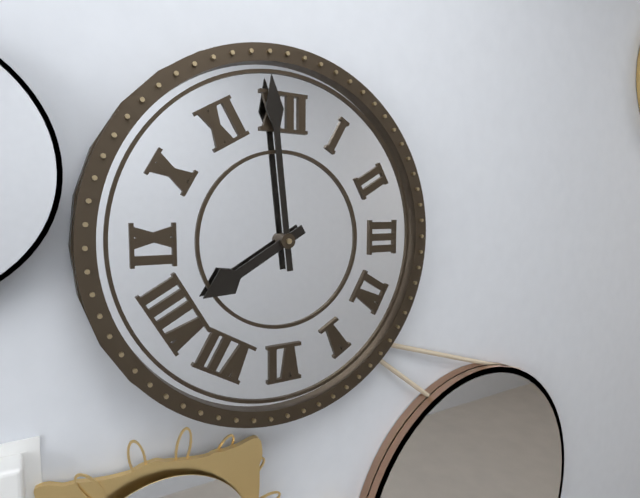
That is 7:59
